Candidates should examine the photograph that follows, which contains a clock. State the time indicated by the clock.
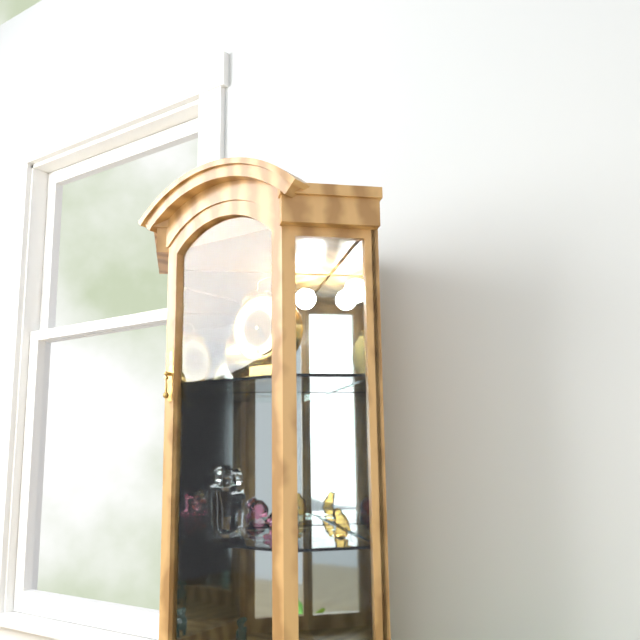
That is 4:49
